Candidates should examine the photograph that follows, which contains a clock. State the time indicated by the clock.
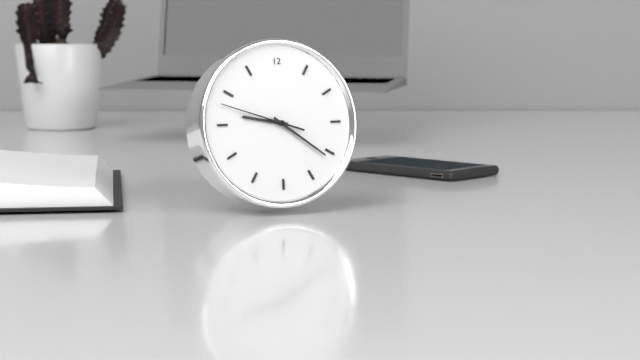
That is 9:21:48
